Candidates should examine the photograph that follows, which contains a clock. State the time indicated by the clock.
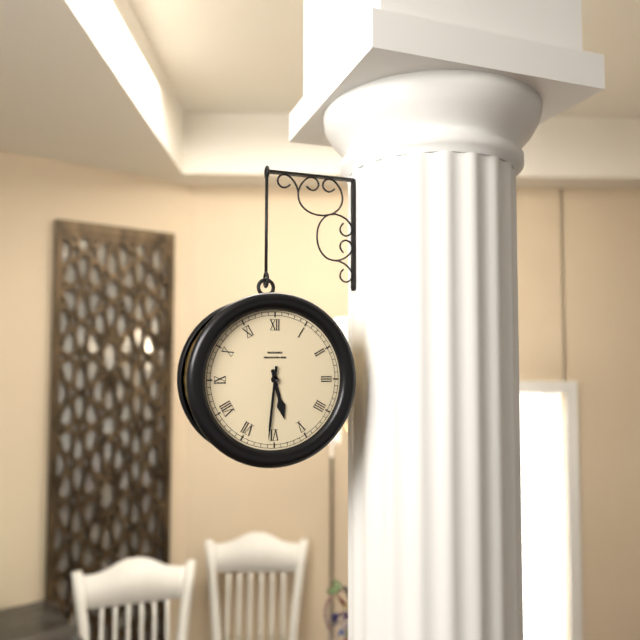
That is 5:31
